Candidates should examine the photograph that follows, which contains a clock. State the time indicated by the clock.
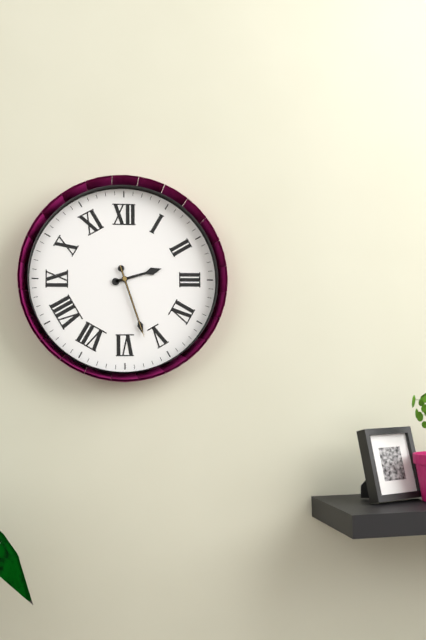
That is 2:27:27
